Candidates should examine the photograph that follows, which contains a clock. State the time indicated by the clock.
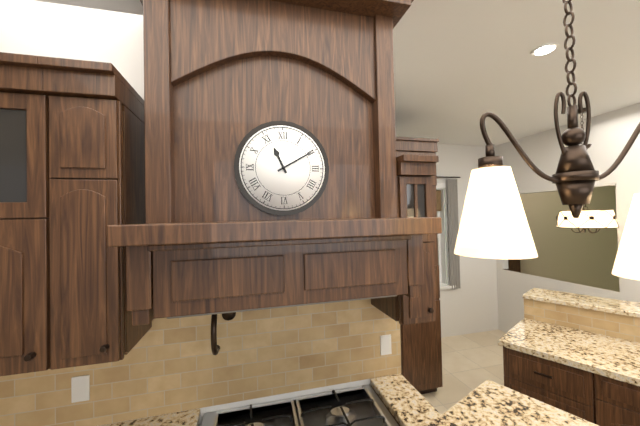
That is 11:10
